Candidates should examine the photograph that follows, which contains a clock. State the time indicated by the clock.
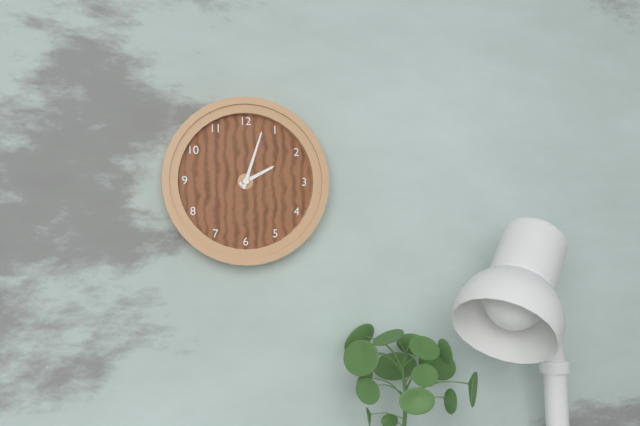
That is 2:03
